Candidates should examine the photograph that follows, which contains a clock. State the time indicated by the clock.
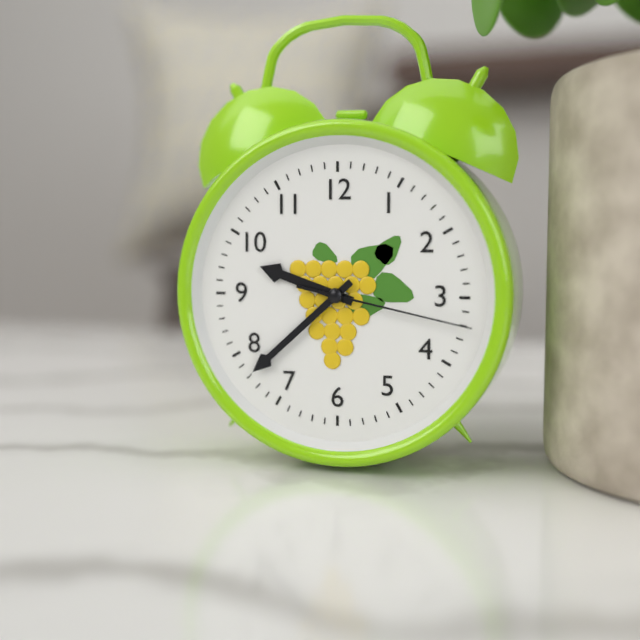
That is 9:38:17
